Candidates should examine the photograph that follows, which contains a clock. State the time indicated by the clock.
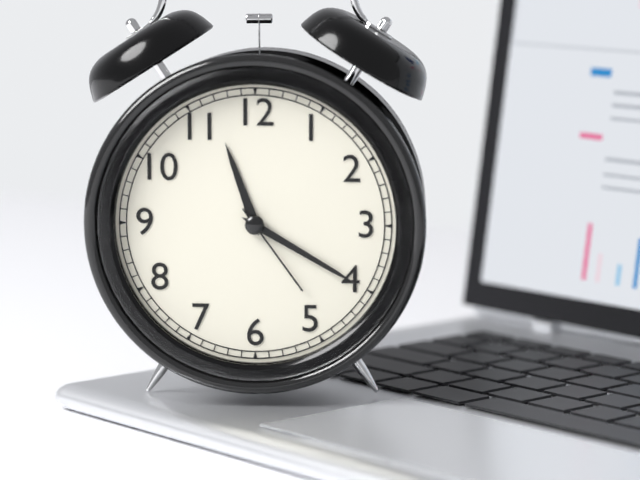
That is 11:20:24
